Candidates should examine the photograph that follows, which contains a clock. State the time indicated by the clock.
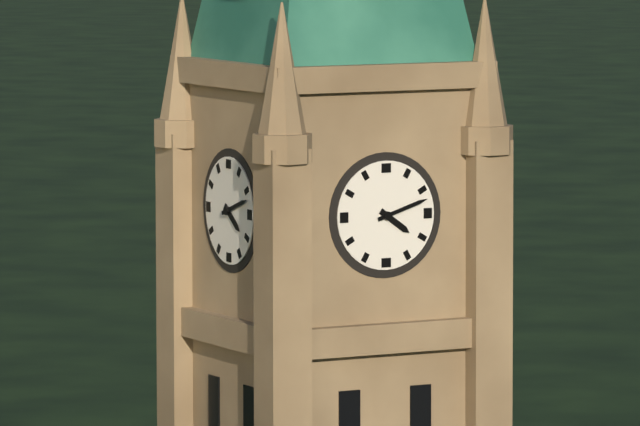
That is 4:12
